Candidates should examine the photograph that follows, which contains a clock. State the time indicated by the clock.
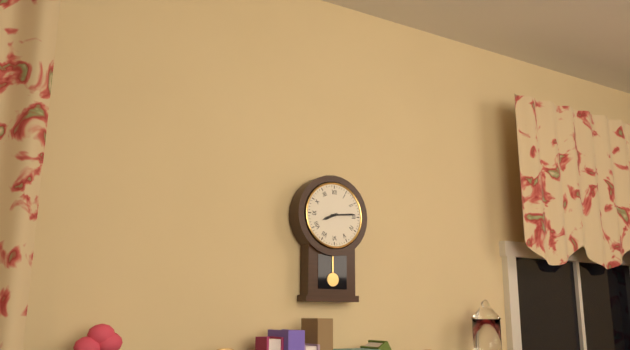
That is 8:14
